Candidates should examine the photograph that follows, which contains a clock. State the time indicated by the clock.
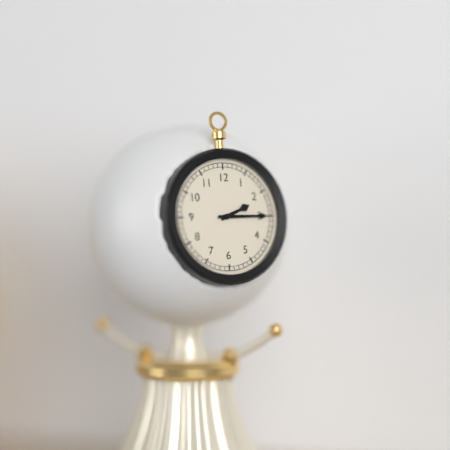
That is 2:15
